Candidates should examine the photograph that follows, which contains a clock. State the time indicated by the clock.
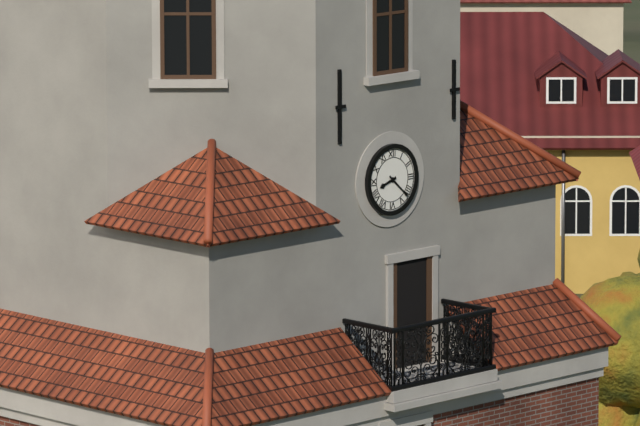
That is 8:22
